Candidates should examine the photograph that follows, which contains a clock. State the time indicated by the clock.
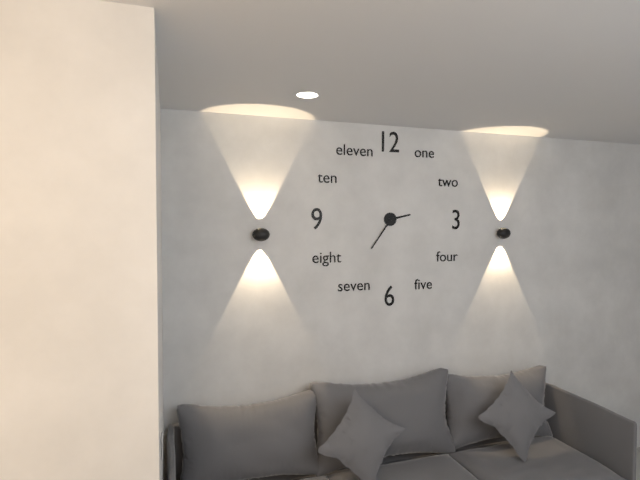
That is 2:36
